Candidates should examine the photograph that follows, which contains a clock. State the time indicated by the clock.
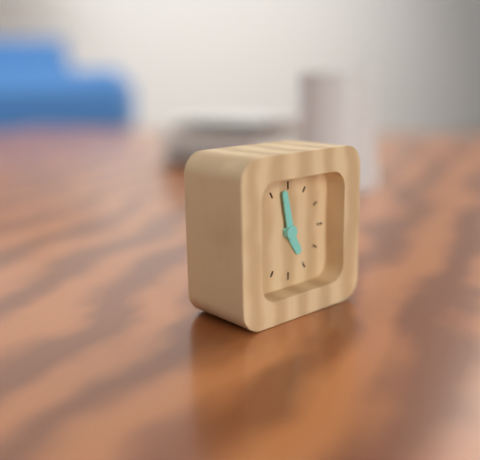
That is 4:58
